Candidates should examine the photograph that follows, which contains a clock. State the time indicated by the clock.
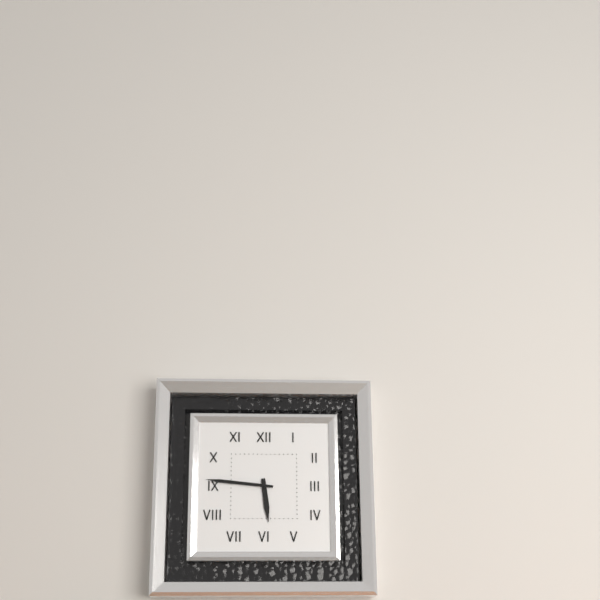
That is 5:46
